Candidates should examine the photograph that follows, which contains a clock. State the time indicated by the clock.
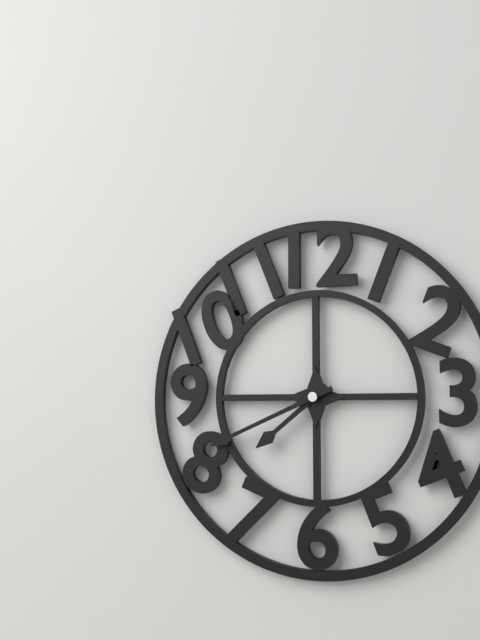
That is 7:41
